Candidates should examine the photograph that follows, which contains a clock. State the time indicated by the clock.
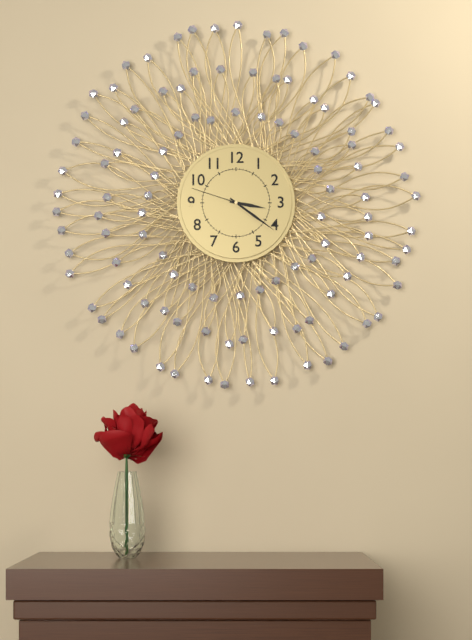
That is 3:21:48
